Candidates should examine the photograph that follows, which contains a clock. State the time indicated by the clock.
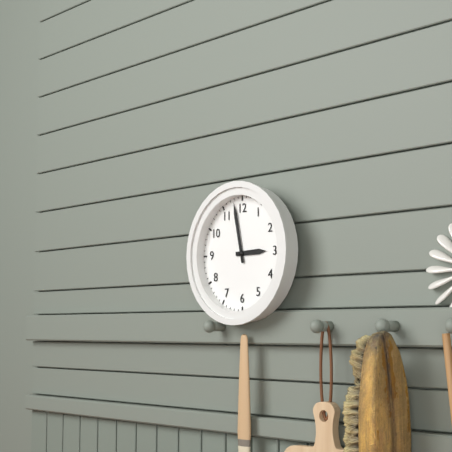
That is 2:58
